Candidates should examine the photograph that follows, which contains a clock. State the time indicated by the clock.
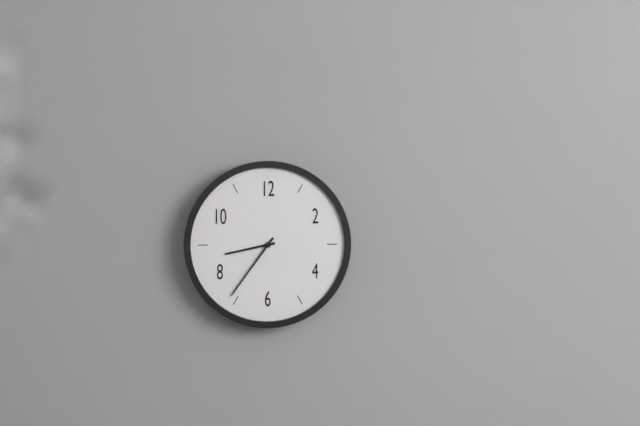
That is 8:36
